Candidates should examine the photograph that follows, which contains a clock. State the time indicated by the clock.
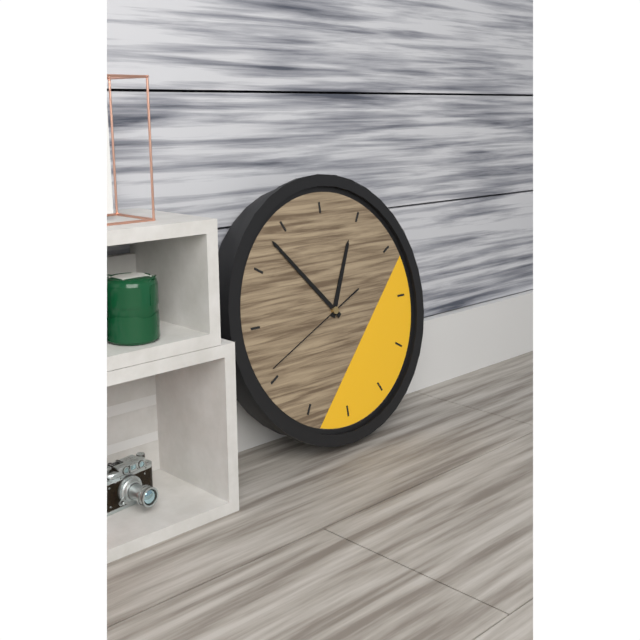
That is 12:53:41
